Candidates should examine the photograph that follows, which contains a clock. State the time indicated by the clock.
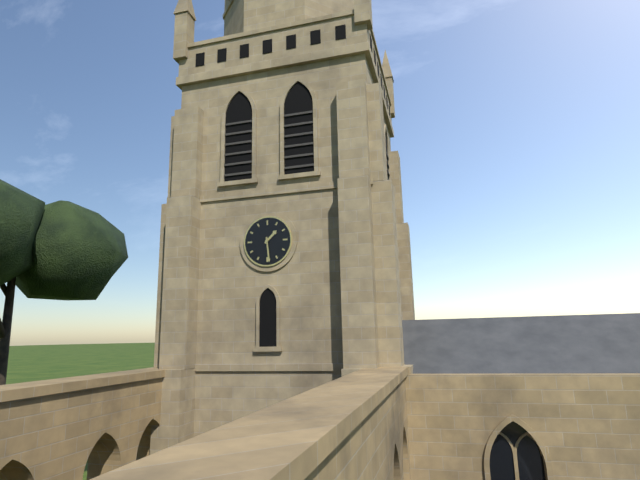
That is 1:29
